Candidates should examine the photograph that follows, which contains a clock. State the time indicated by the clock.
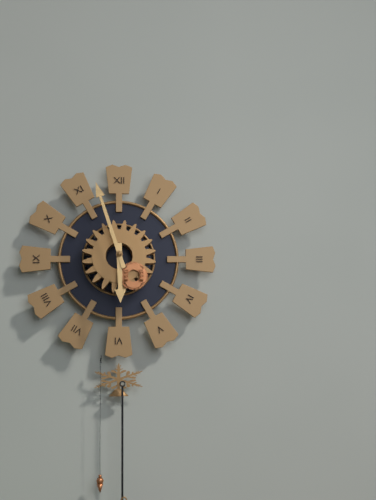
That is 5:57
